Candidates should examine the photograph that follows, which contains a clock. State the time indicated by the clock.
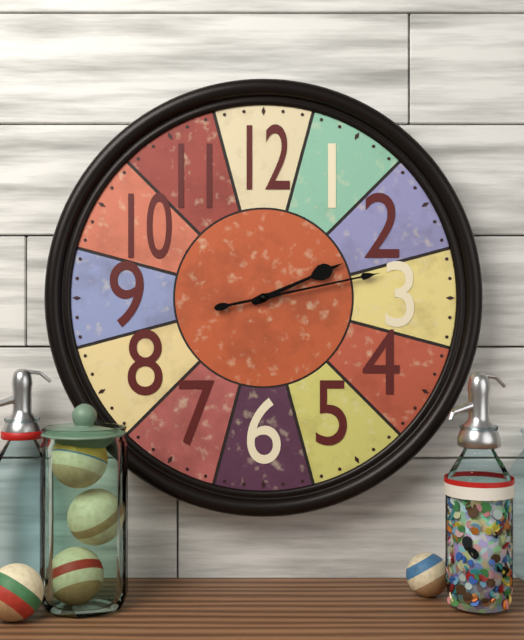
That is 2:13
